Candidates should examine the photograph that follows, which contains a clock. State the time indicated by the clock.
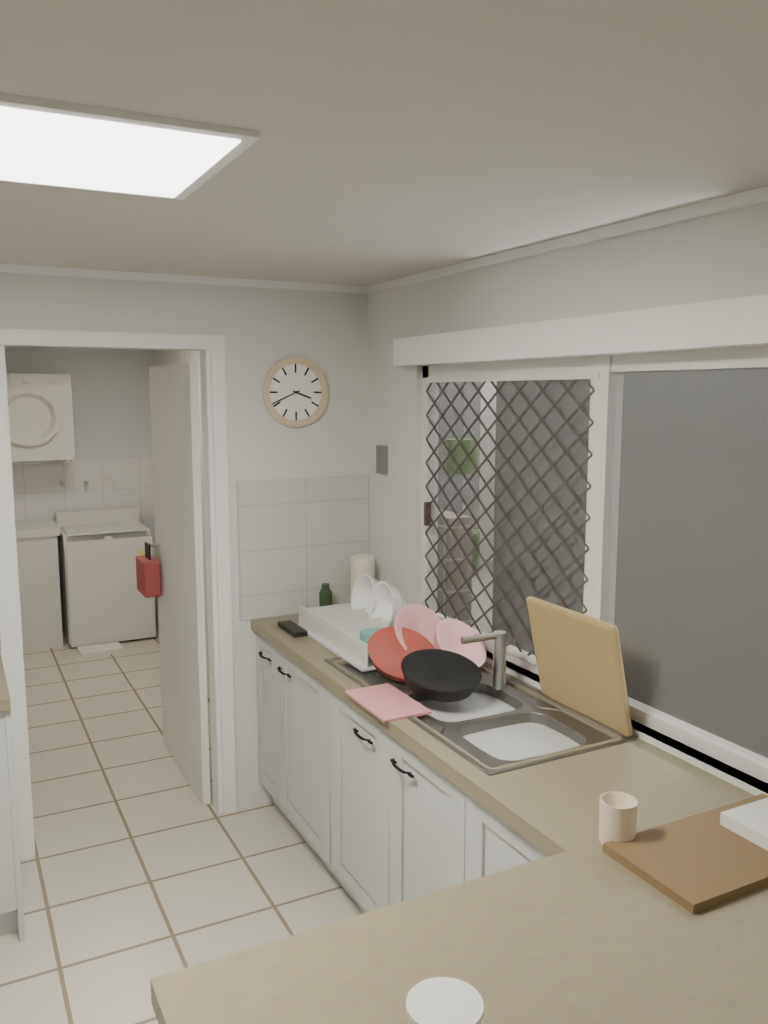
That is 3:41
